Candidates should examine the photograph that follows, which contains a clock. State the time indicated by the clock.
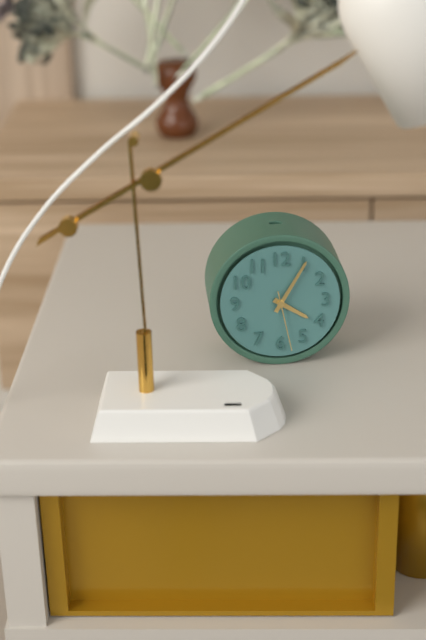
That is 4:05:28
